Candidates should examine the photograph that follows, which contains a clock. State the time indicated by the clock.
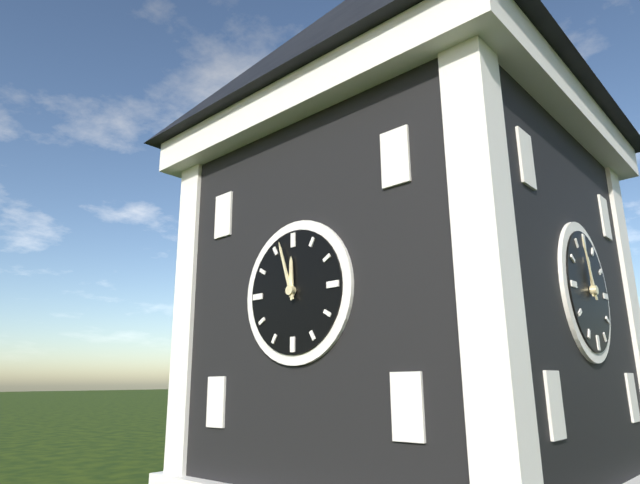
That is 11:57
